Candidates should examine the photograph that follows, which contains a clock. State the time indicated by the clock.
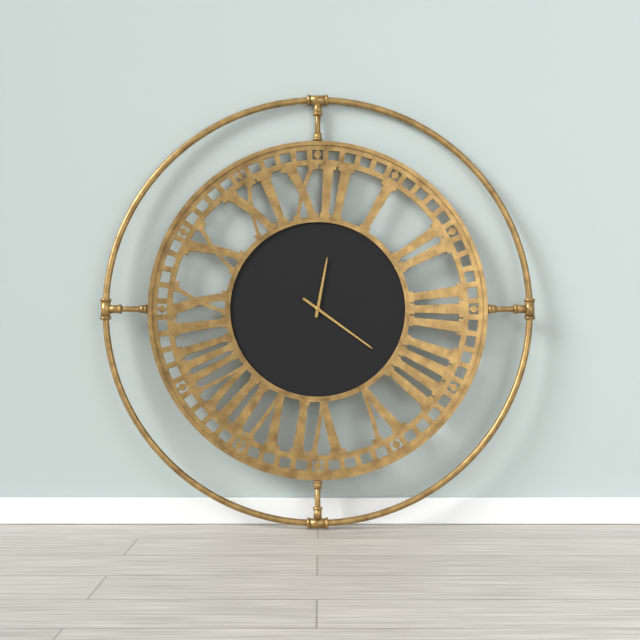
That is 12:21
